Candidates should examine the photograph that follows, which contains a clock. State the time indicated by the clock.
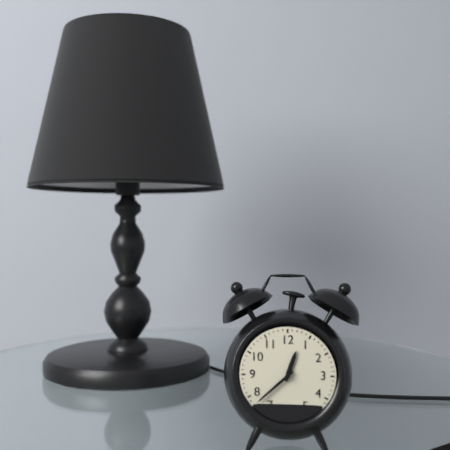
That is 12:38
